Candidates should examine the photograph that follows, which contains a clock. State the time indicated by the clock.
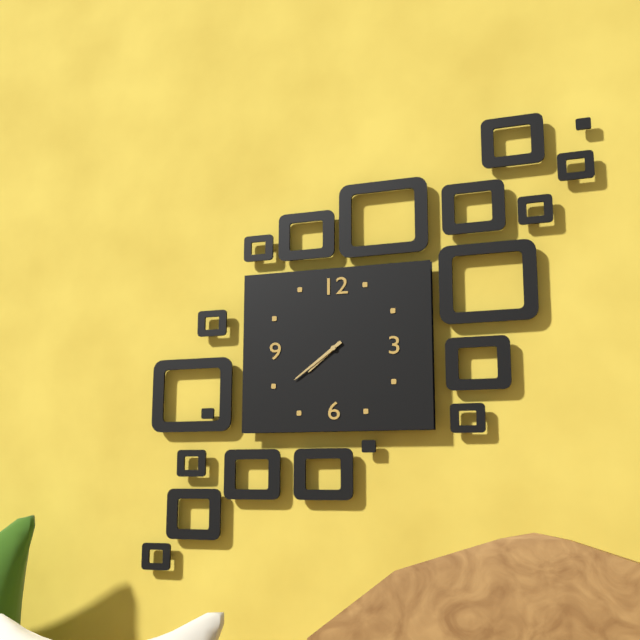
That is 7:39
